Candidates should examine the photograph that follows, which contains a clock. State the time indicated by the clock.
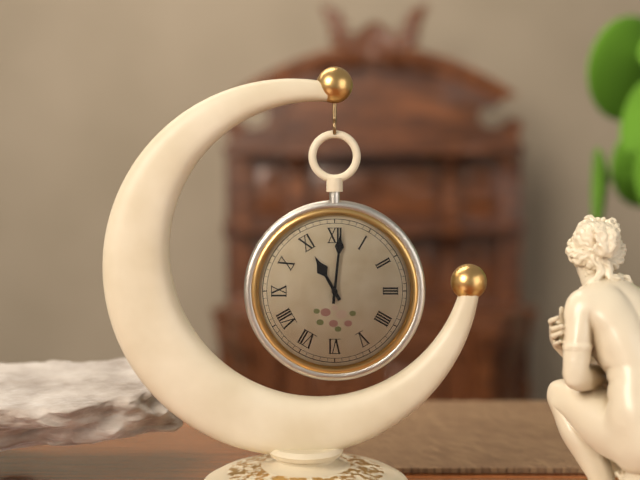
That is 11:01
